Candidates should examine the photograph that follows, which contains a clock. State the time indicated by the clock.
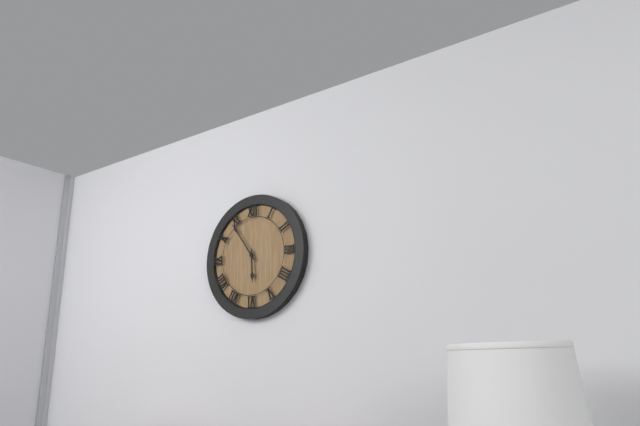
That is 5:54
